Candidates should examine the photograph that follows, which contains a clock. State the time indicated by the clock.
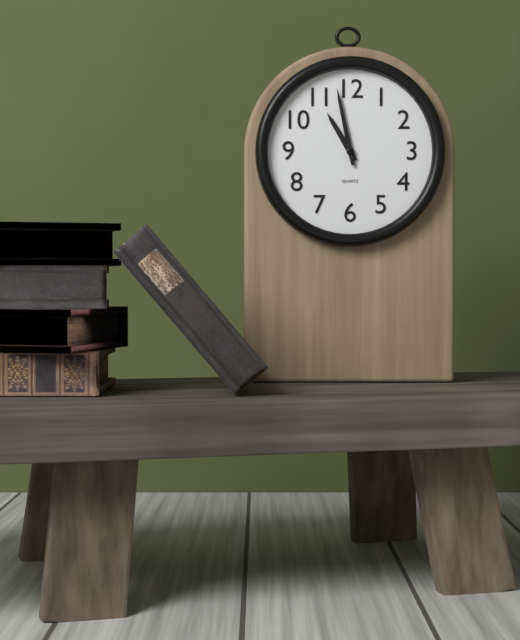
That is 10:58
